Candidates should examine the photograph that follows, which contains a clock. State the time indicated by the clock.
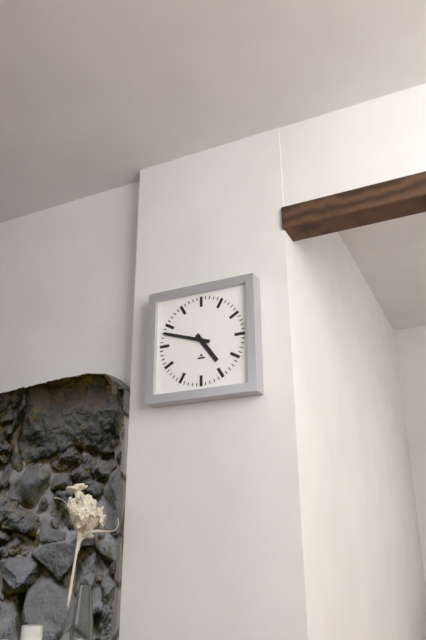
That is 4:48
